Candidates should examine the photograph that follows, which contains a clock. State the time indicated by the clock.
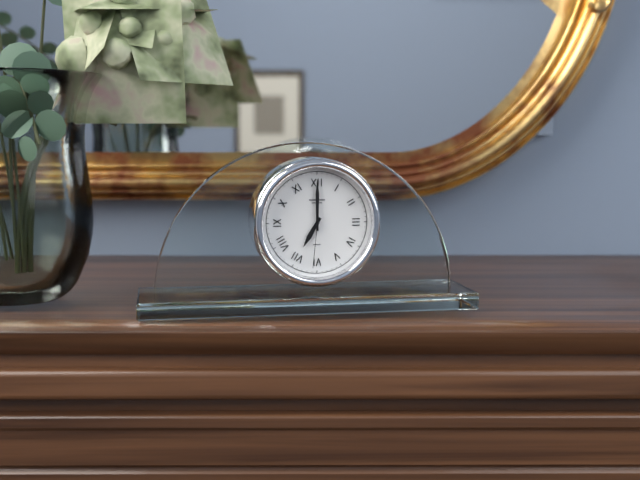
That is 7:00:31
